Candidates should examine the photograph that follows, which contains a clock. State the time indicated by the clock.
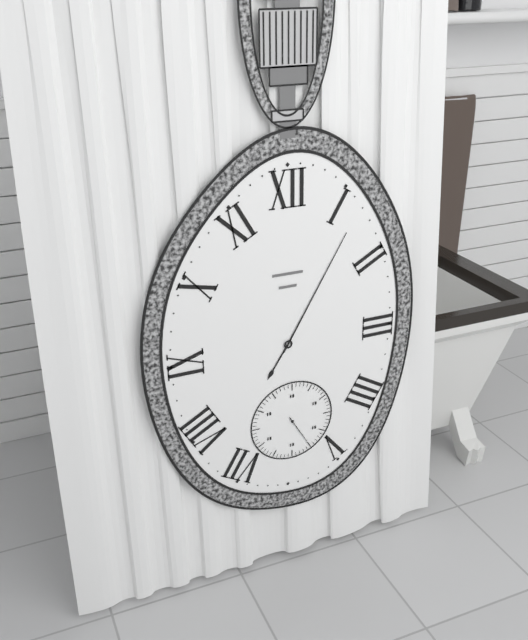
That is 7:05
